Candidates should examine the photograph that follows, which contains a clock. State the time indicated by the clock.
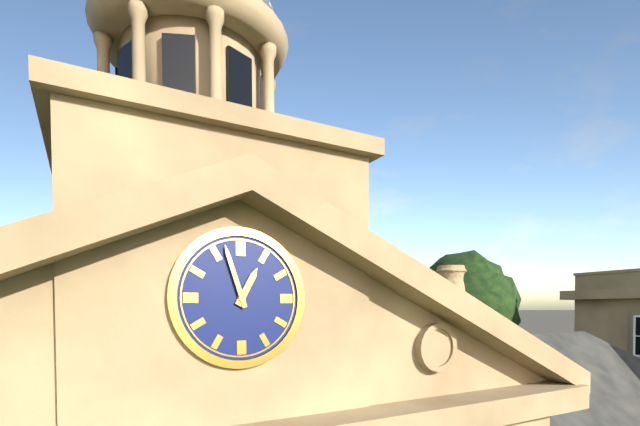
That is 12:57
